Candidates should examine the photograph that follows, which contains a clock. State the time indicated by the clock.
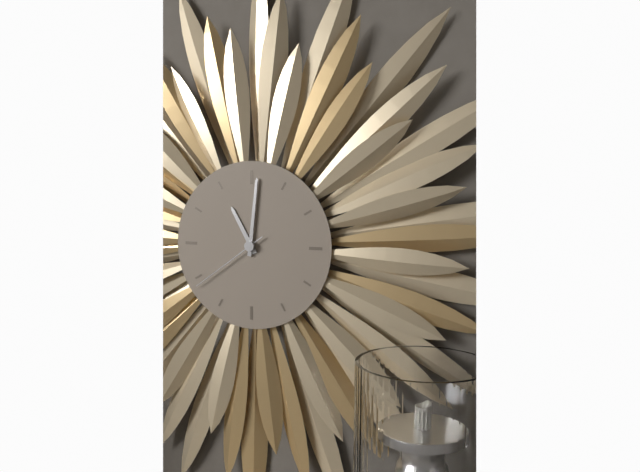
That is 11:01:39
